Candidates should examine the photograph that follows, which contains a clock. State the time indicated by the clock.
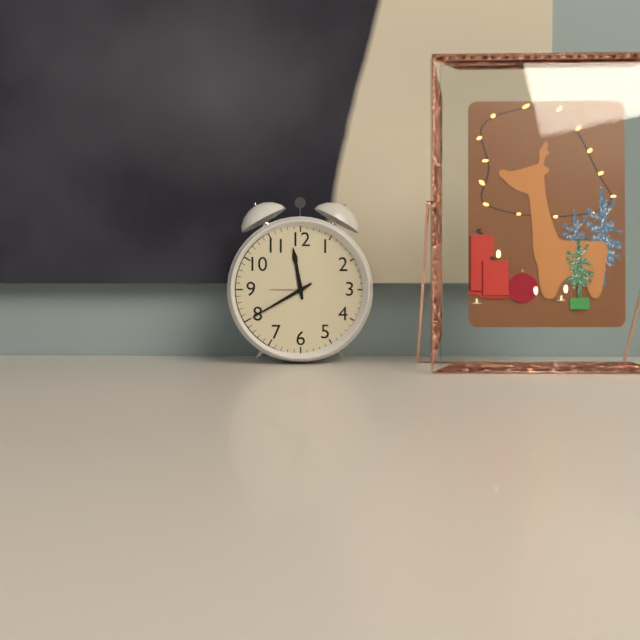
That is 11:40
